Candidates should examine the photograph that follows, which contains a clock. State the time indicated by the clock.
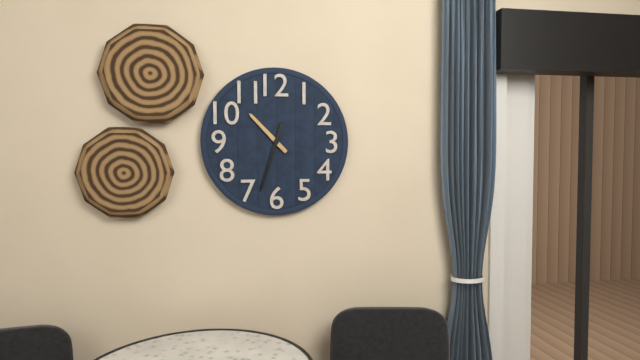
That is 10:33
